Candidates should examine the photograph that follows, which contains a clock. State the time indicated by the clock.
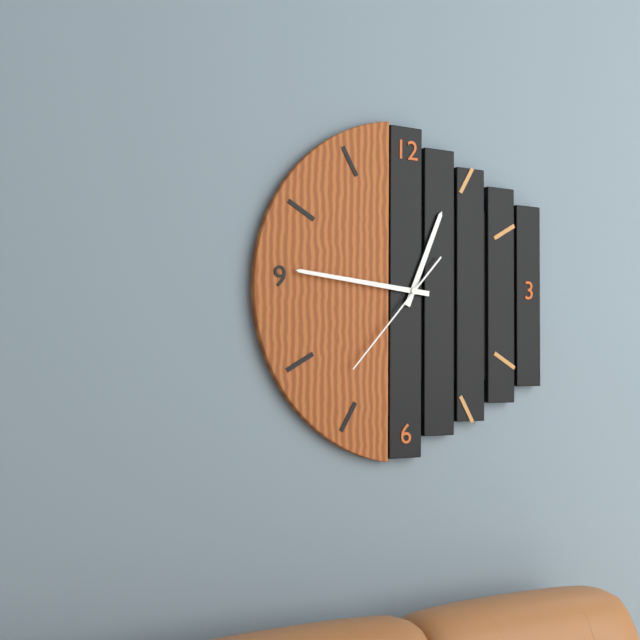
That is 12:46:37
